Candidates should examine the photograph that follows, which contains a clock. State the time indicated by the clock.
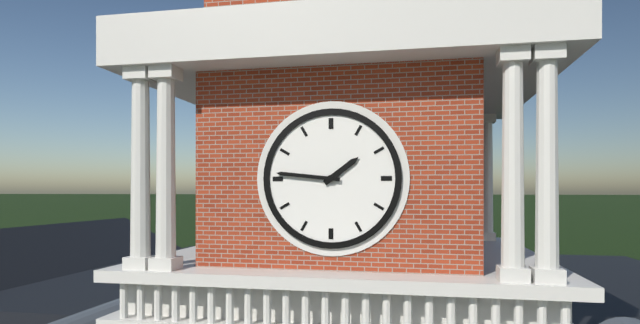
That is 1:46
